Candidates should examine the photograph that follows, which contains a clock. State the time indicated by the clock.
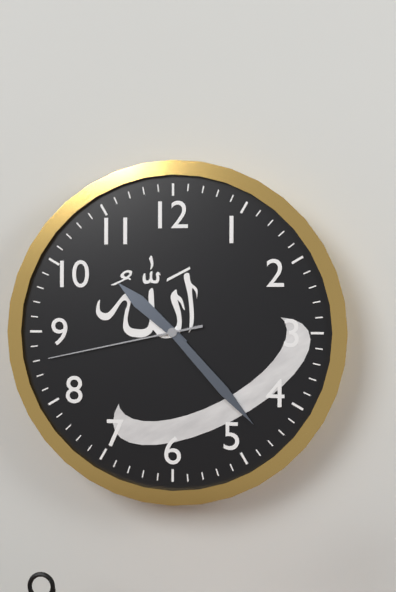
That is 10:23:43
